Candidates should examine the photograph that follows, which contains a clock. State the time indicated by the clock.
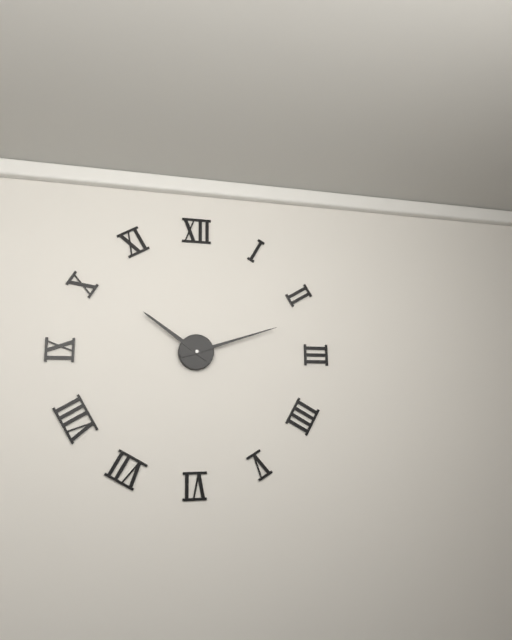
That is 10:12
